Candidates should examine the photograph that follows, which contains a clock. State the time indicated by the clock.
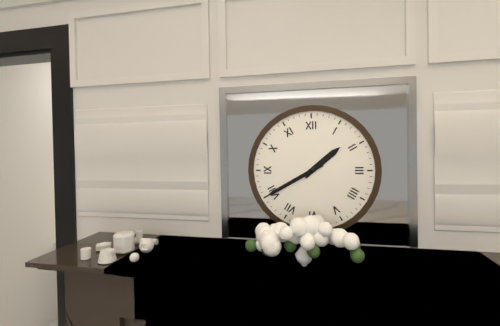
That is 1:40
